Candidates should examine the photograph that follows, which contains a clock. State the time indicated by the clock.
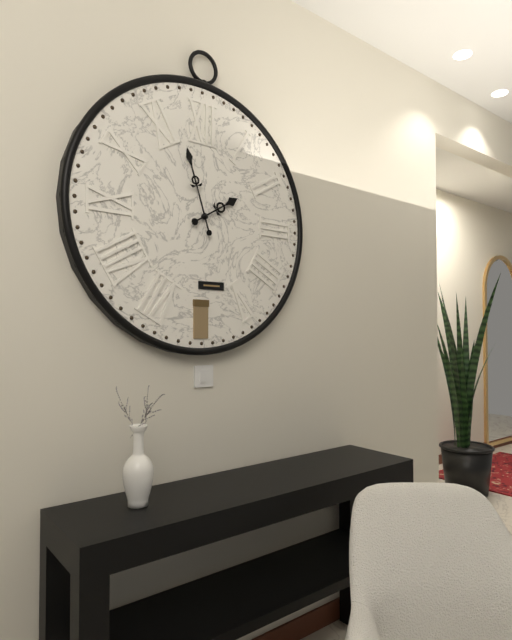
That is 1:57
